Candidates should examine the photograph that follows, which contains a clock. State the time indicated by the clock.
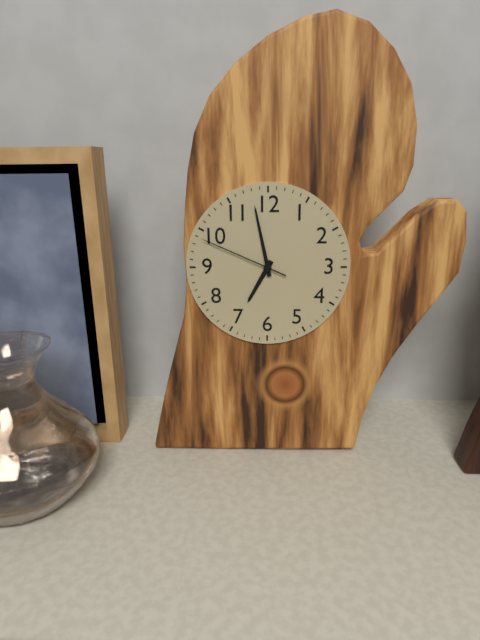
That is 6:58:49
